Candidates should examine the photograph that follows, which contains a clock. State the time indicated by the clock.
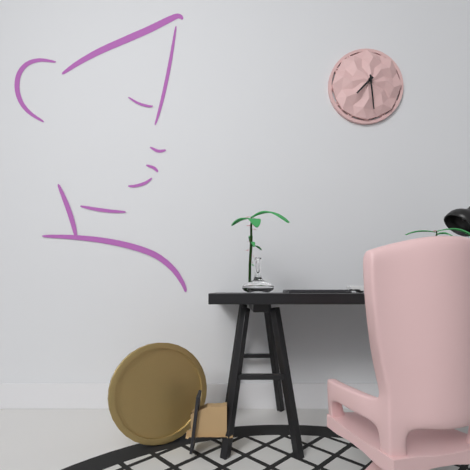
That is 7:29
